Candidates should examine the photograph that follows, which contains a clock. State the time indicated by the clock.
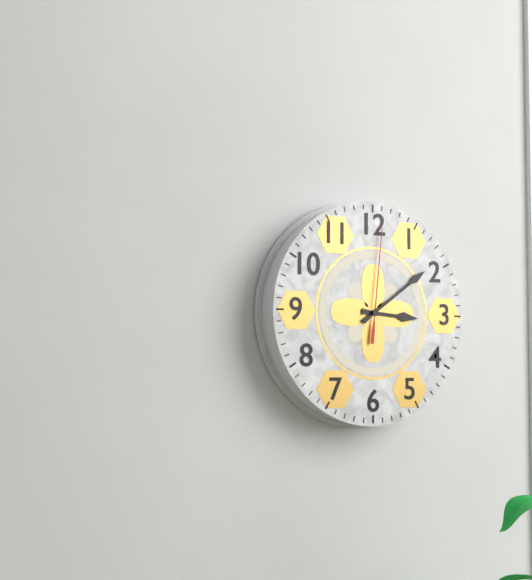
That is 3:09:01
